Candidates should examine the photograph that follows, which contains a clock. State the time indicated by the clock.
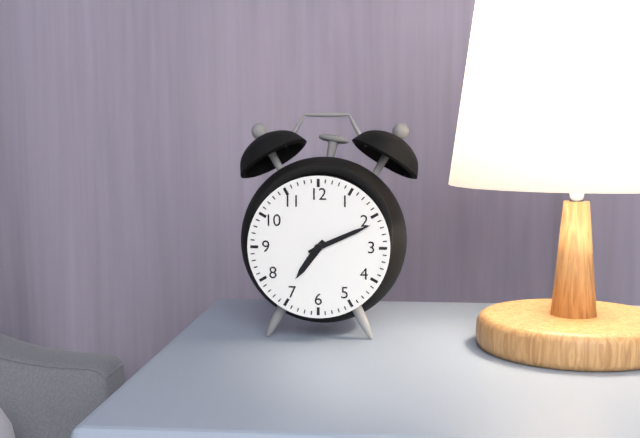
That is 7:11
